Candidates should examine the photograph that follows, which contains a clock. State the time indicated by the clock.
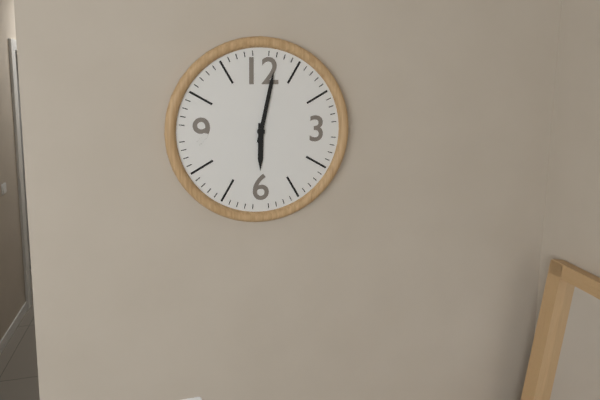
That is 6:02
